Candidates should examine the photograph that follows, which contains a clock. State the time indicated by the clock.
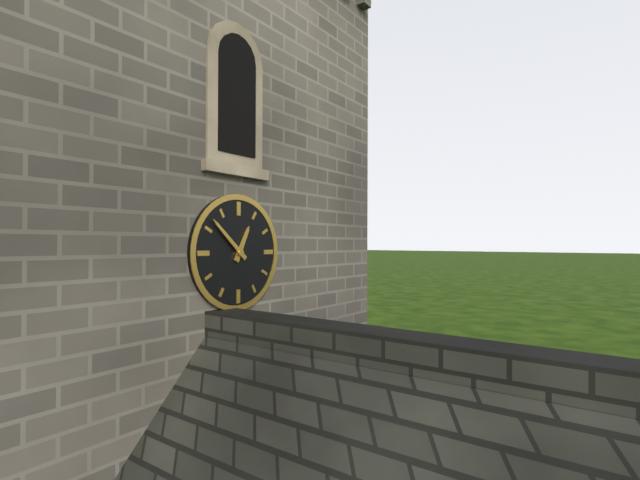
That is 12:52
